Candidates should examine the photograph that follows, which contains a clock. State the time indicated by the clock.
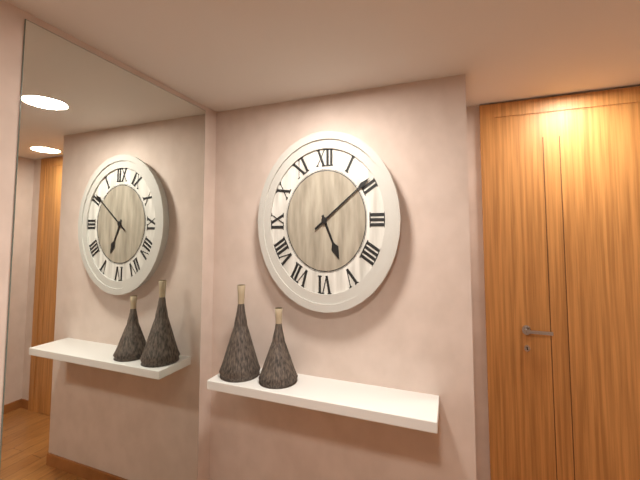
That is 5:09
